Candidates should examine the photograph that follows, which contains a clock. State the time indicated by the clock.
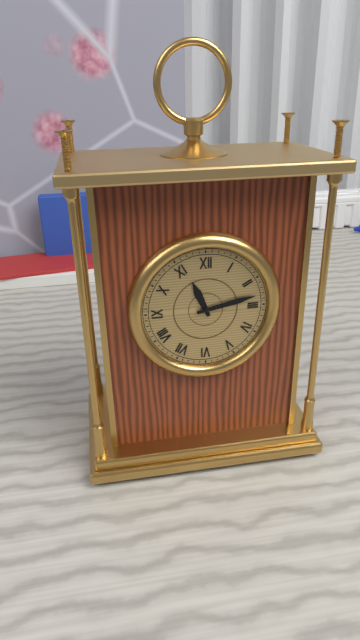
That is 11:13
